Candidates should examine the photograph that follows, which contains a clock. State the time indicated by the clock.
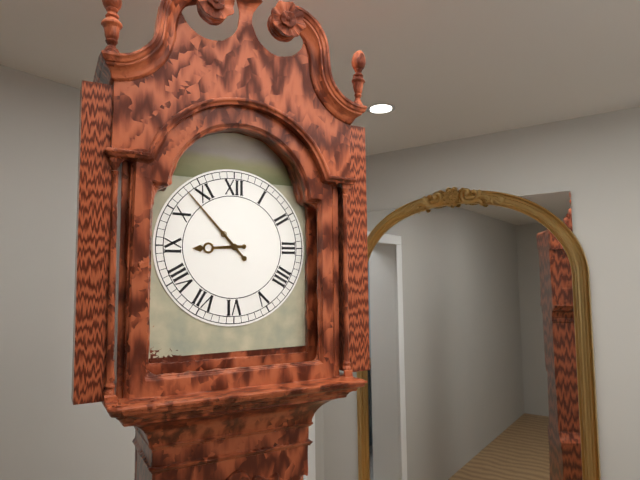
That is 8:53
